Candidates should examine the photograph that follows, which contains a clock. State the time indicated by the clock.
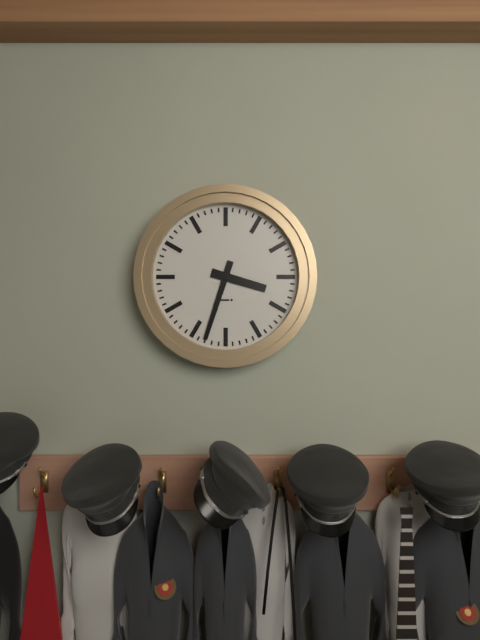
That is 3:33
